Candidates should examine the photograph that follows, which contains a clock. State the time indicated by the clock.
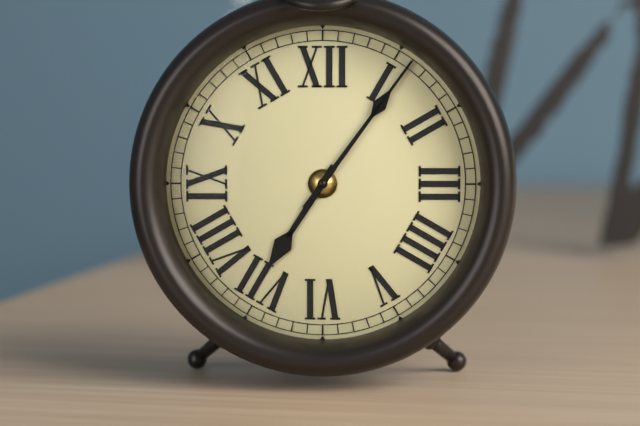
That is 7:06
